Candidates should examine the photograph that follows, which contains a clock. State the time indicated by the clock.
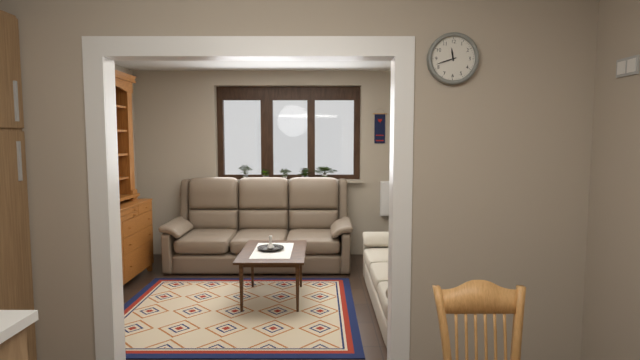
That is 11:42
